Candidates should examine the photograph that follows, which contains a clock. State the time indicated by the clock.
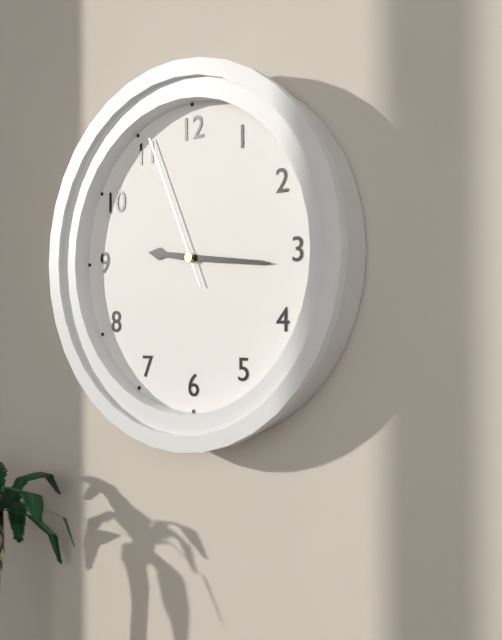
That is 9:16:56
